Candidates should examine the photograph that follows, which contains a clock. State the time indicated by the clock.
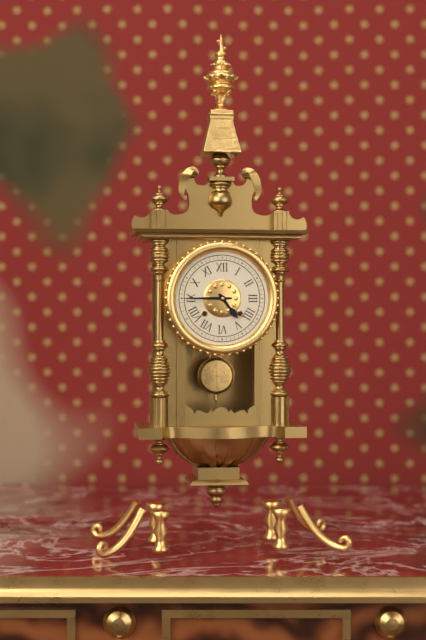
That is 4:45
